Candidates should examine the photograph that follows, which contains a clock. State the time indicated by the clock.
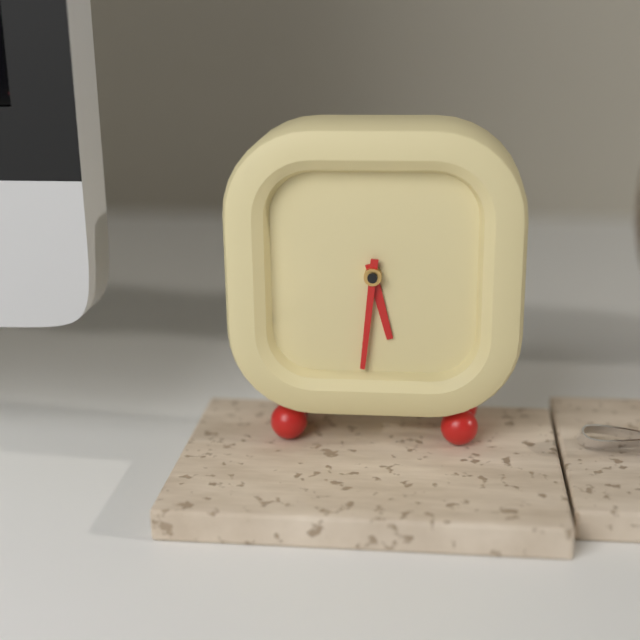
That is 5:31
